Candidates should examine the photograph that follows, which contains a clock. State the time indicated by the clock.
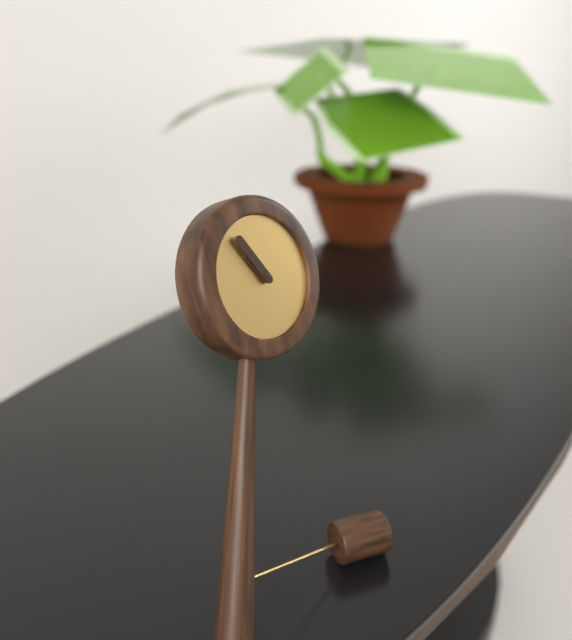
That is 10:55
